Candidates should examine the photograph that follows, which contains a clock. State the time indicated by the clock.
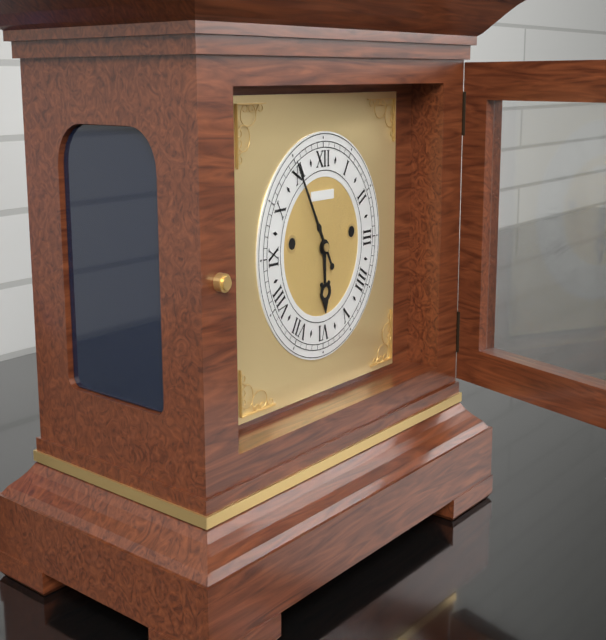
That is 5:55
